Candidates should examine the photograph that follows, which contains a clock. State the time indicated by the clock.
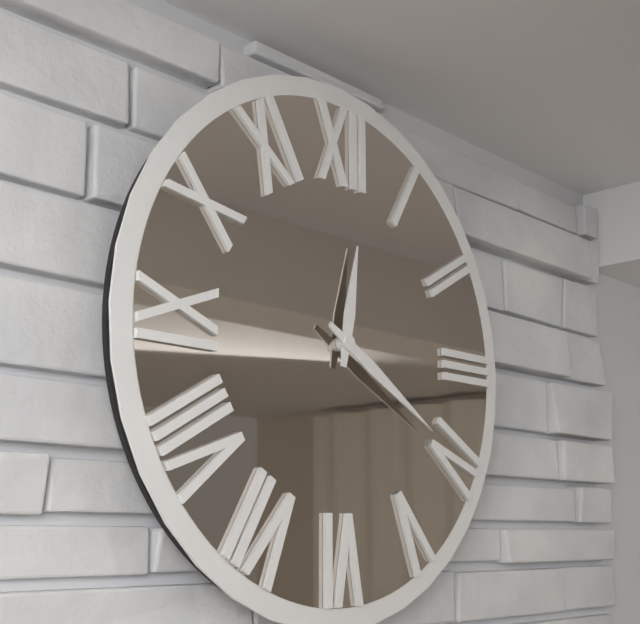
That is 12:20
